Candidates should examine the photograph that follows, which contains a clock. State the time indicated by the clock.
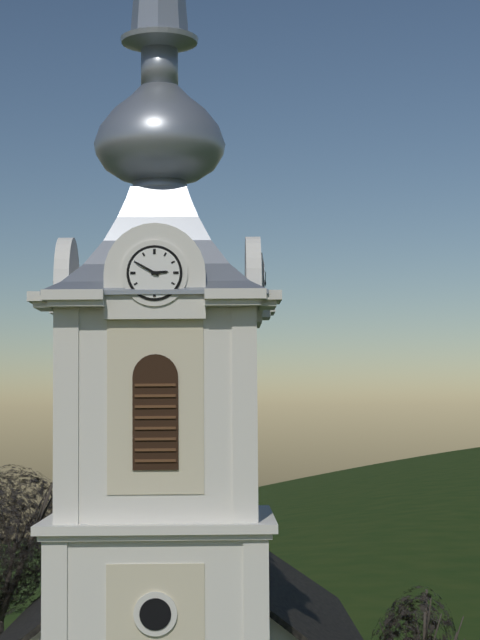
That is 2:50
